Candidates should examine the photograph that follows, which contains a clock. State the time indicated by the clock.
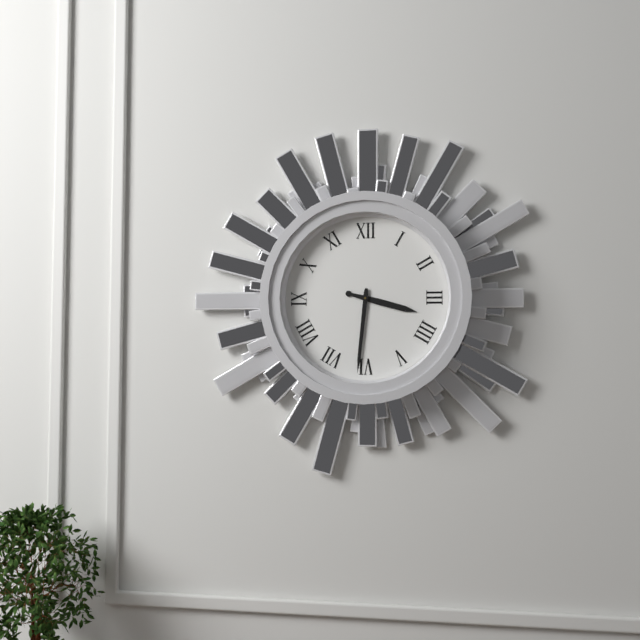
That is 3:31
